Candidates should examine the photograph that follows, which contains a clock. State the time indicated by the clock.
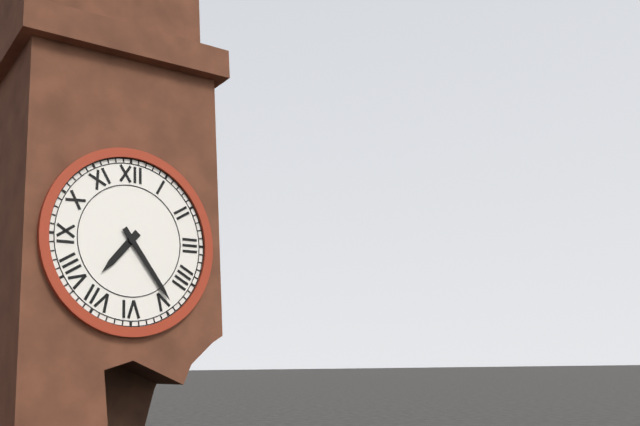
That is 7:24
